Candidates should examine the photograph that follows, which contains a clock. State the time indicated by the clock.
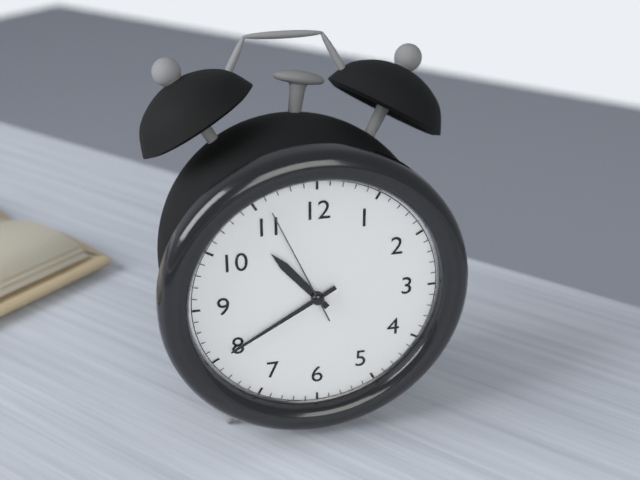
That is 10:40:56
